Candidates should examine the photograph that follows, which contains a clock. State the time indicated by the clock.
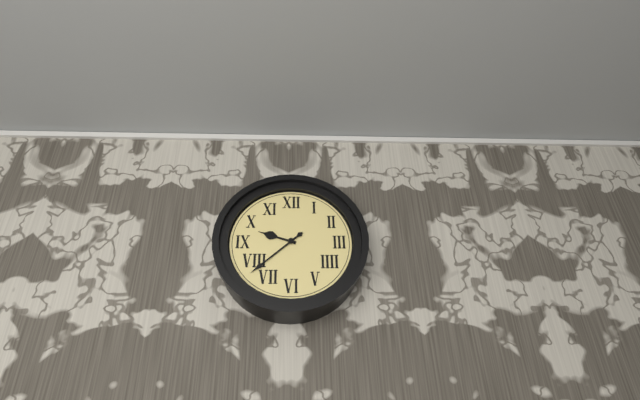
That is 9:38
